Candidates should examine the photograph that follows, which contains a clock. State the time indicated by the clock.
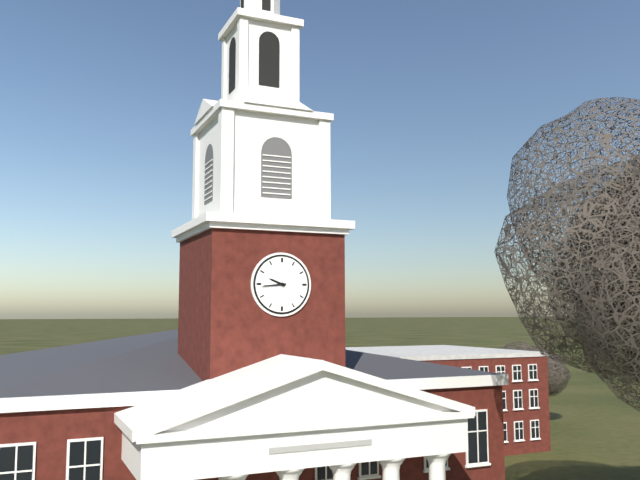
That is 9:44
